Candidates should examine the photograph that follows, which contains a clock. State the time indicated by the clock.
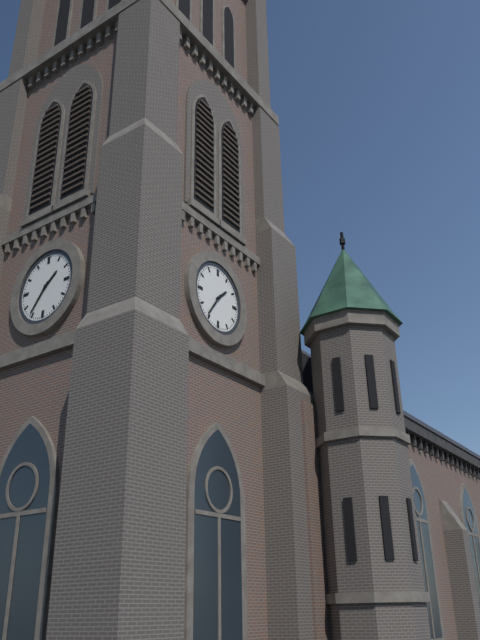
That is 1:36
